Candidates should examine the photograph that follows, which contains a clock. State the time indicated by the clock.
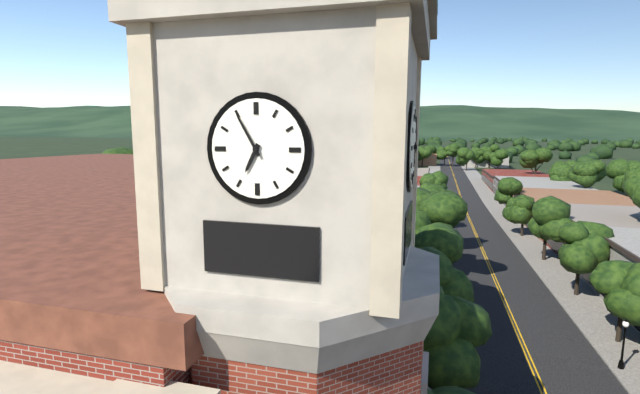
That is 6:55
